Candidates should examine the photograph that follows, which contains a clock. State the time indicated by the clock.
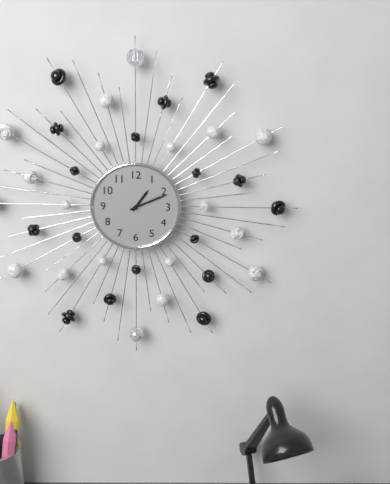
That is 1:11
